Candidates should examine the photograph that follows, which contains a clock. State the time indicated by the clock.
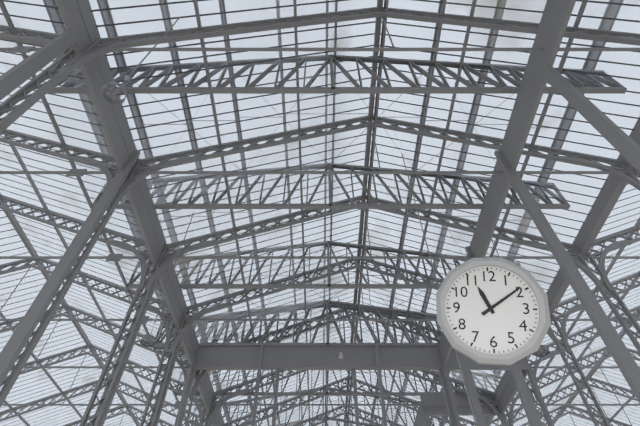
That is 11:09
